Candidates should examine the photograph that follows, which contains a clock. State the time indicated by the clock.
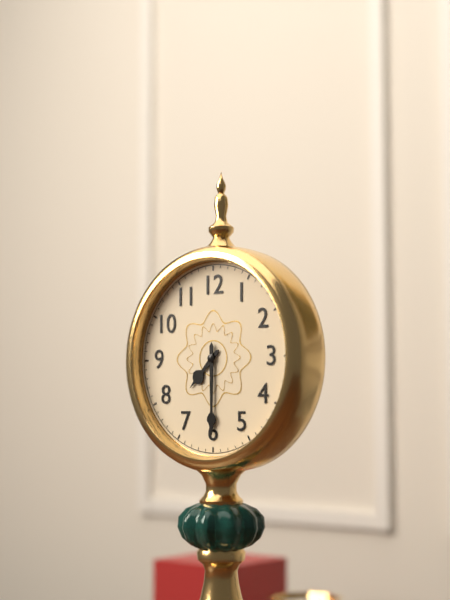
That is 7:30
